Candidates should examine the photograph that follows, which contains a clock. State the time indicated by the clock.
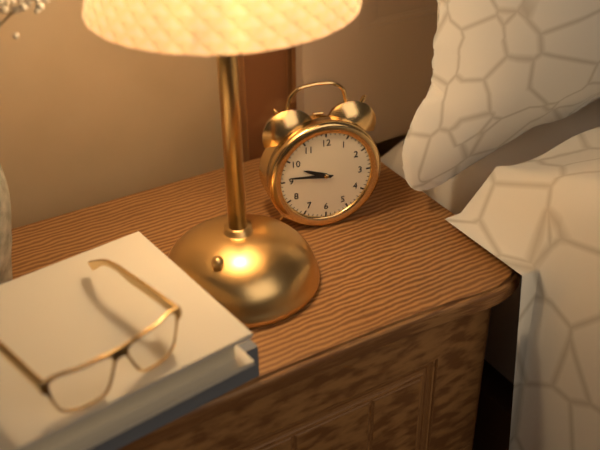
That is 9:46
